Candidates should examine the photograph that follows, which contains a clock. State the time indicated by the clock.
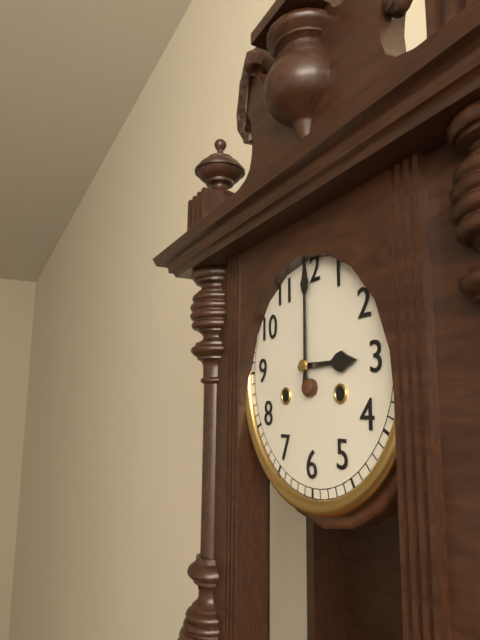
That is 3:00
